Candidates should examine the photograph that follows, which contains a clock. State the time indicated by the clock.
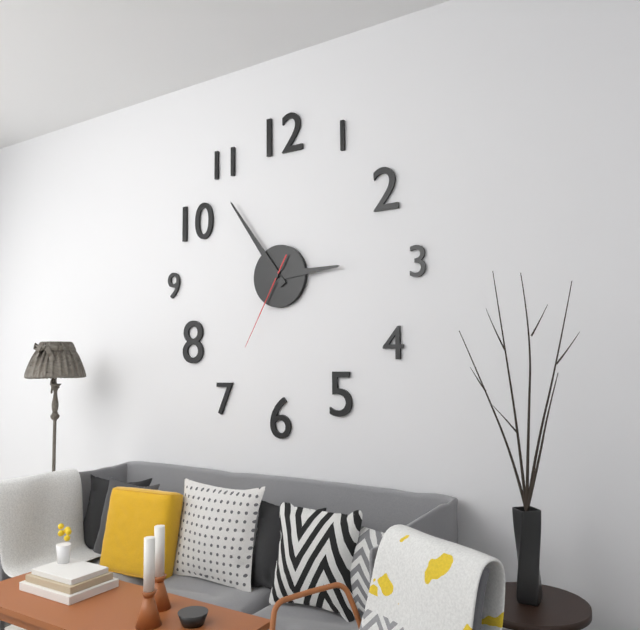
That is 2:54:35
